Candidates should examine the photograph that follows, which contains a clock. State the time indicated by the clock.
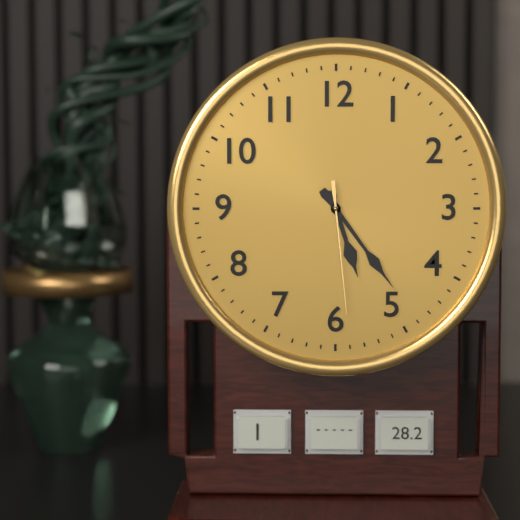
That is 5:24:29
